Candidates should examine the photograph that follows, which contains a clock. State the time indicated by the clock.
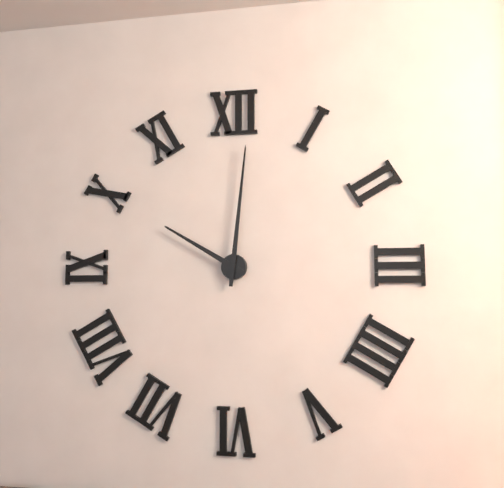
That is 10:01
